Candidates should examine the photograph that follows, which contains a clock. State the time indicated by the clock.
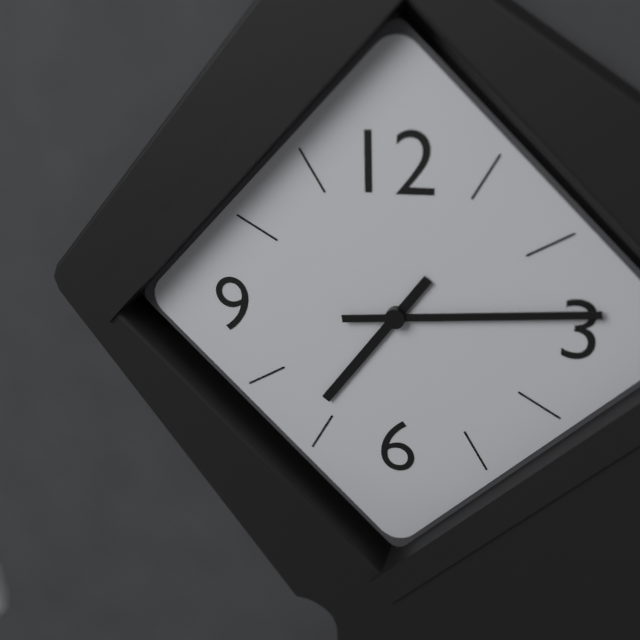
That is 7:14
